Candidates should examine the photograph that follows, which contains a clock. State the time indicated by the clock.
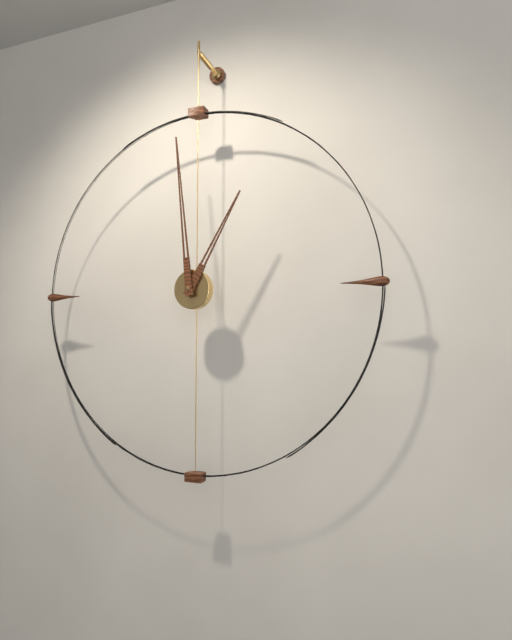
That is 12:59
